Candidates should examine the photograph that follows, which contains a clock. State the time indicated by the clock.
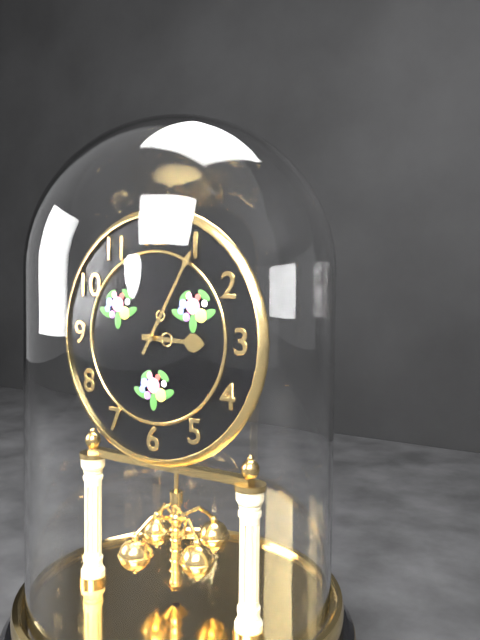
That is 3:05
